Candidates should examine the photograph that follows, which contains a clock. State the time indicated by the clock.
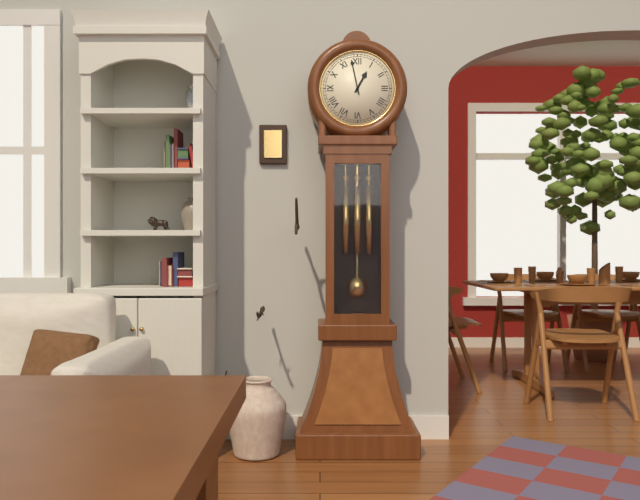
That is 12:58
